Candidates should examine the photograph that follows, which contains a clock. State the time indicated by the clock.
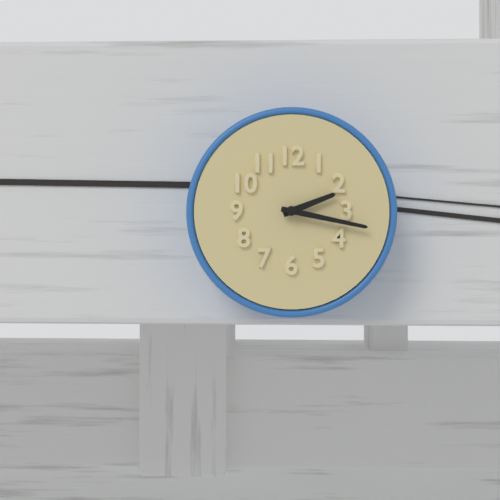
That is 2:17
